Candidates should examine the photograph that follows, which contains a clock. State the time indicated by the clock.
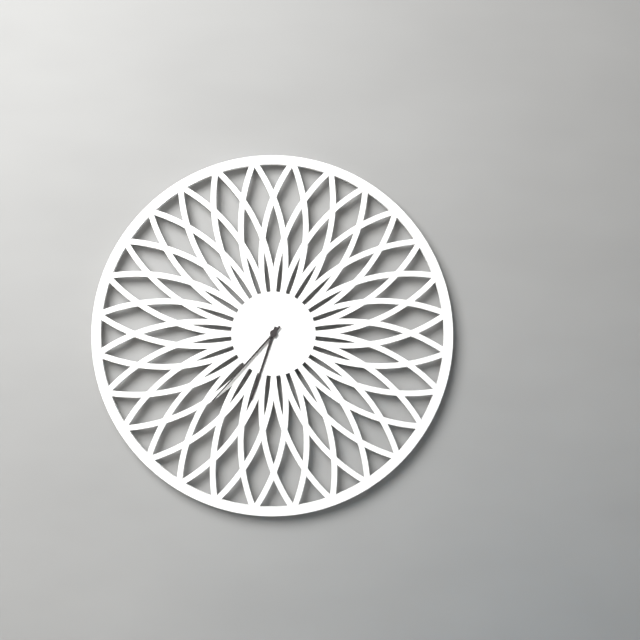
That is 6:37
